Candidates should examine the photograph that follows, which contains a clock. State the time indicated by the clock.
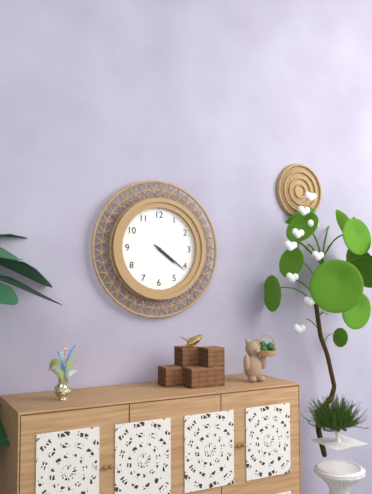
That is 4:21
